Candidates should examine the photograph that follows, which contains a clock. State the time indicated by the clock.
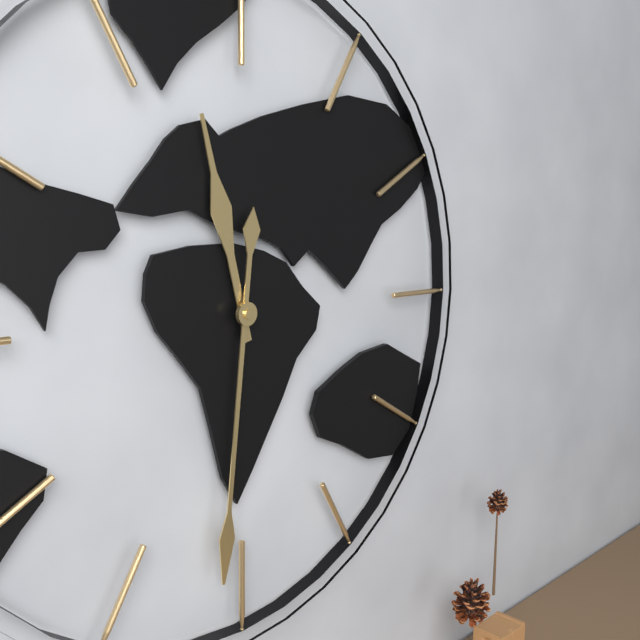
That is 11:31
